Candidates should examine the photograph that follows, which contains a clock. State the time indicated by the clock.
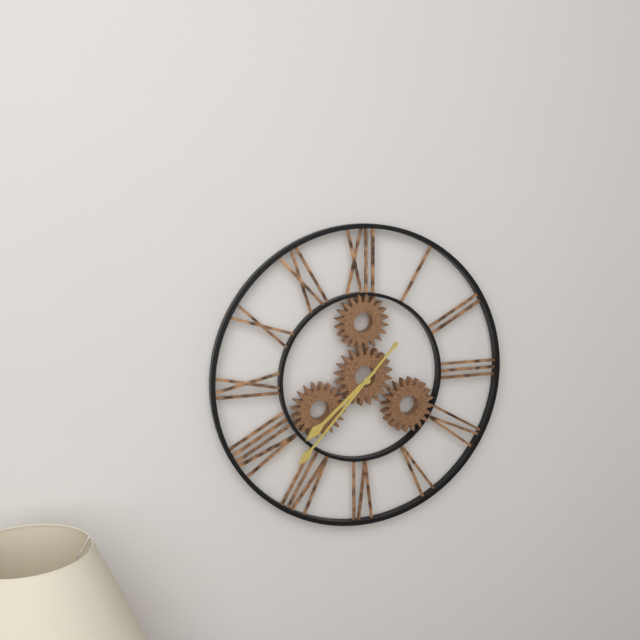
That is 7:37
